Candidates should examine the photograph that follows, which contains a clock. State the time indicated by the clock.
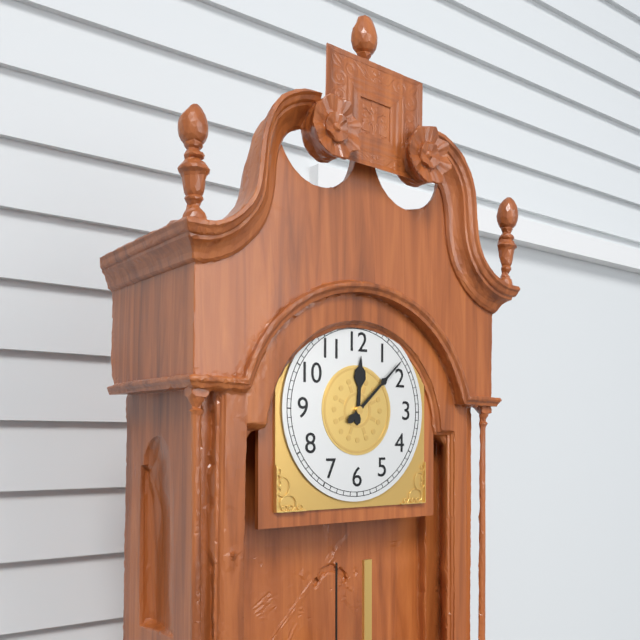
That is 12:08
